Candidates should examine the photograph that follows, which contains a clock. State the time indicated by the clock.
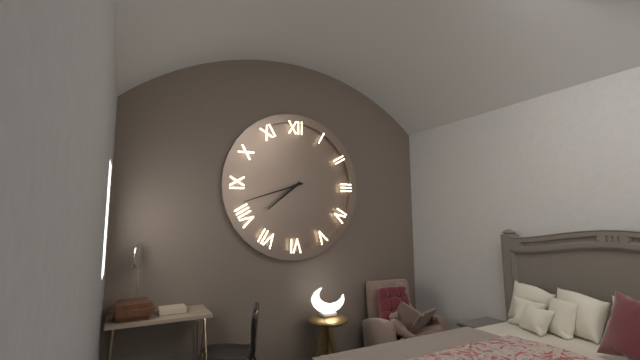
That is 7:42
